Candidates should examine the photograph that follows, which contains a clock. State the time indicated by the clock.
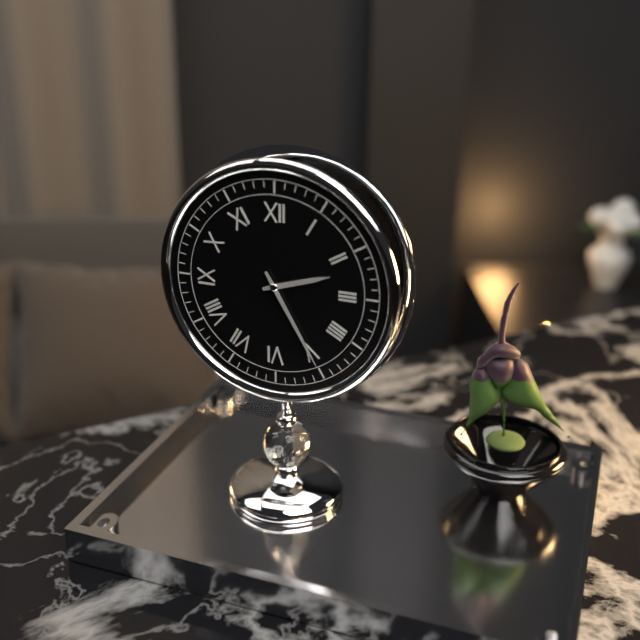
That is 2:25
